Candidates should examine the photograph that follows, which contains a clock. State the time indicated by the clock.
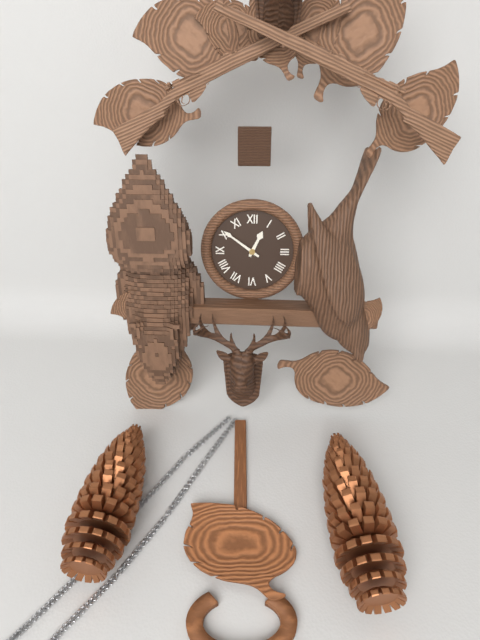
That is 12:51
